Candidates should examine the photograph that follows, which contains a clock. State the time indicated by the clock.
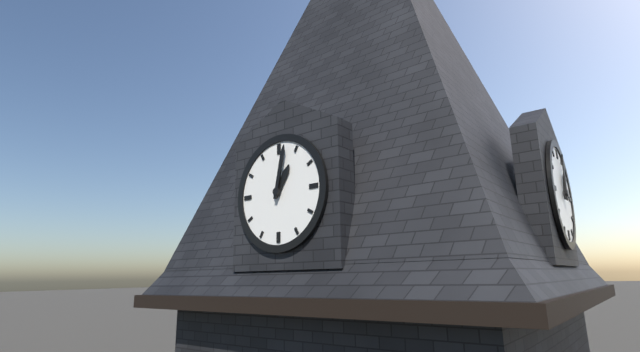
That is 1:02
